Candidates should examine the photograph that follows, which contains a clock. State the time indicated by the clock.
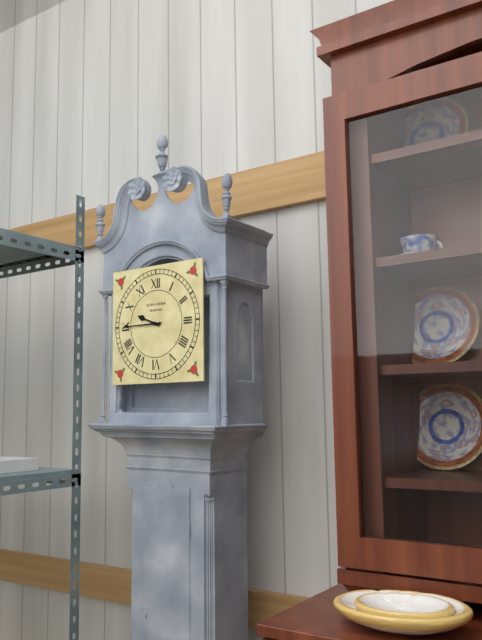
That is 9:45
